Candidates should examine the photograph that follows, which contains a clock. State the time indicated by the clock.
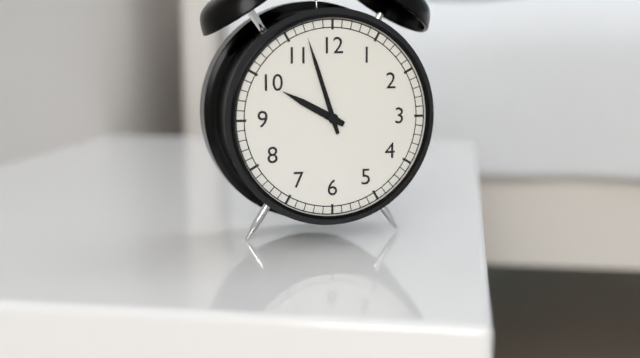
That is 9:57
